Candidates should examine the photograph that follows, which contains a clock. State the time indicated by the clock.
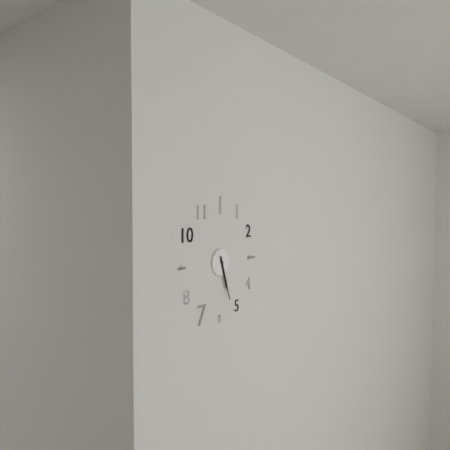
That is 5:27
